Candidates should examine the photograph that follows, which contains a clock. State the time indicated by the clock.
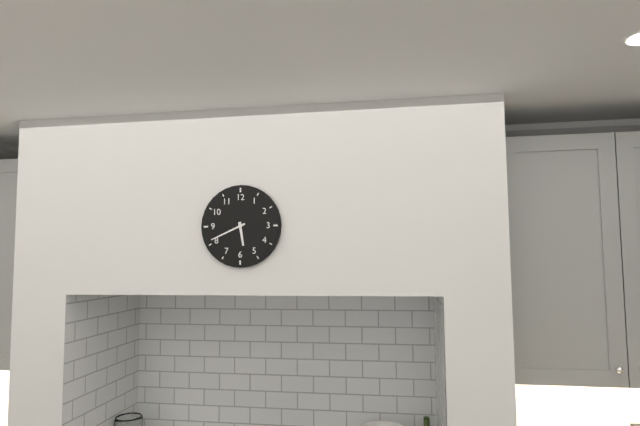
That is 5:41
